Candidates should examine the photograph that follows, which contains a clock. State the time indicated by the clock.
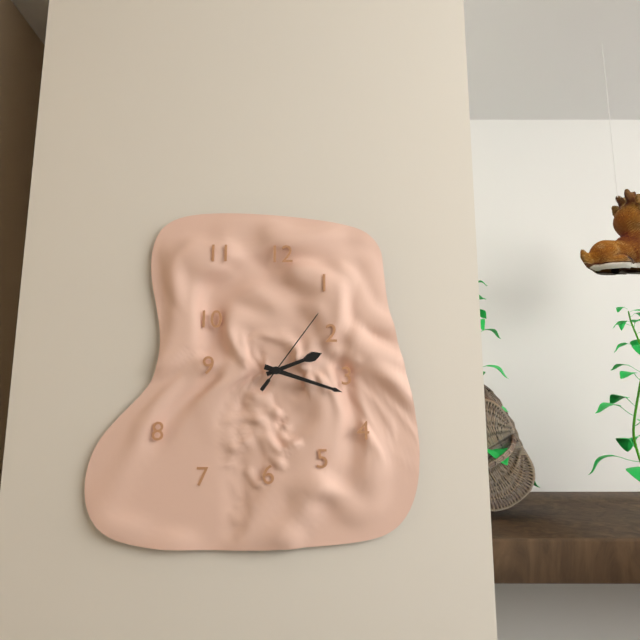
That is 2:18:06
